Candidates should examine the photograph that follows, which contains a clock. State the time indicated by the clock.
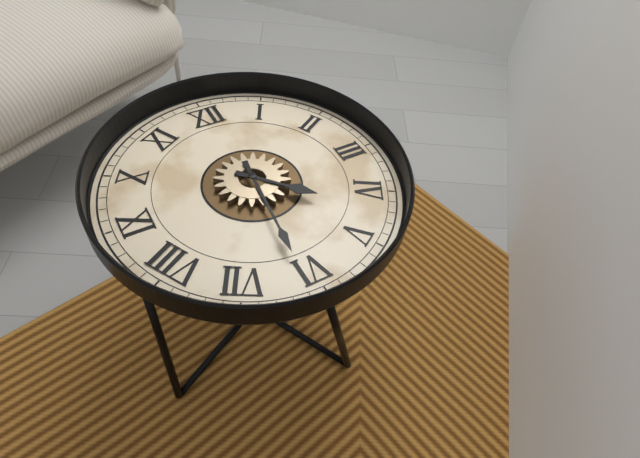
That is 4:31
